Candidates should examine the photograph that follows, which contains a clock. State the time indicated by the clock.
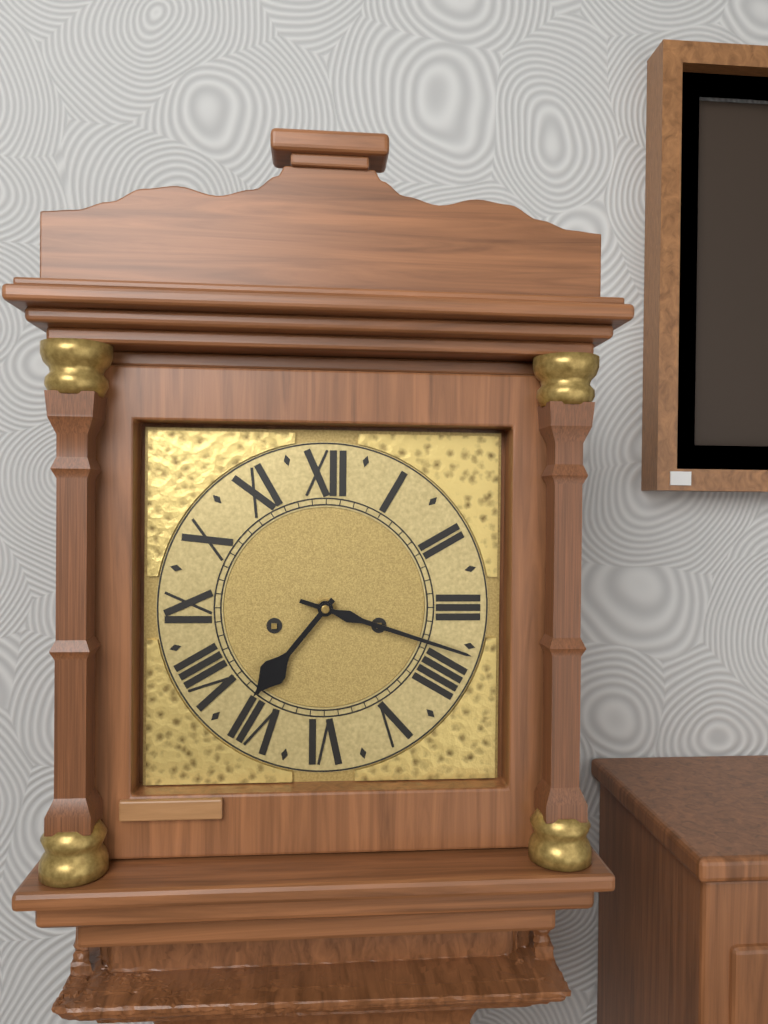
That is 7:18
